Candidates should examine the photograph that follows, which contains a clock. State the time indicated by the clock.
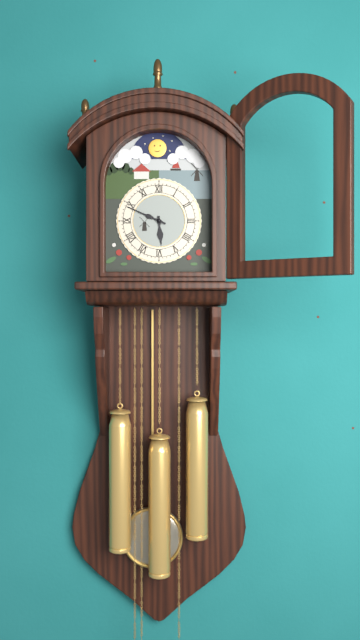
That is 5:49
